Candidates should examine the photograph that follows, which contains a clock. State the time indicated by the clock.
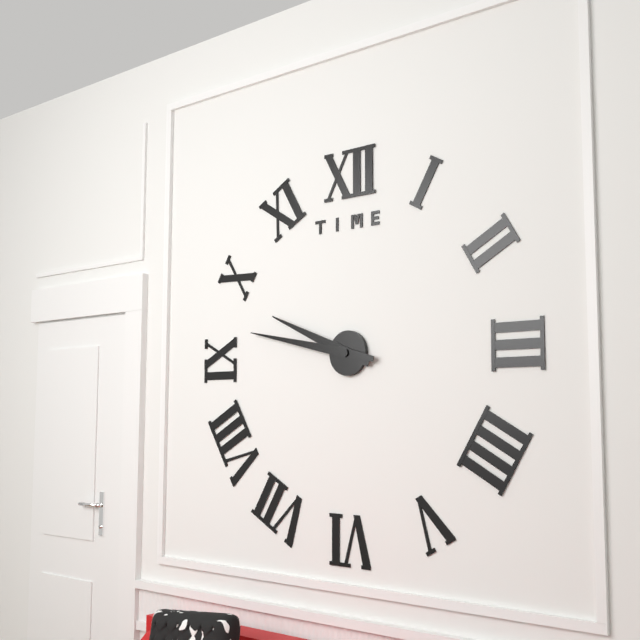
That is 9:47
